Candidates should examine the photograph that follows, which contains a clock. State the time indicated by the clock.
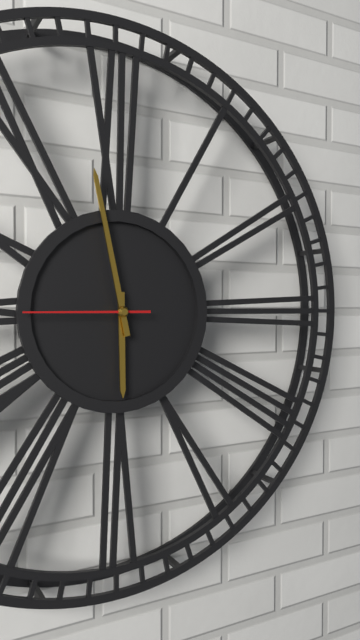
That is 5:58:45
